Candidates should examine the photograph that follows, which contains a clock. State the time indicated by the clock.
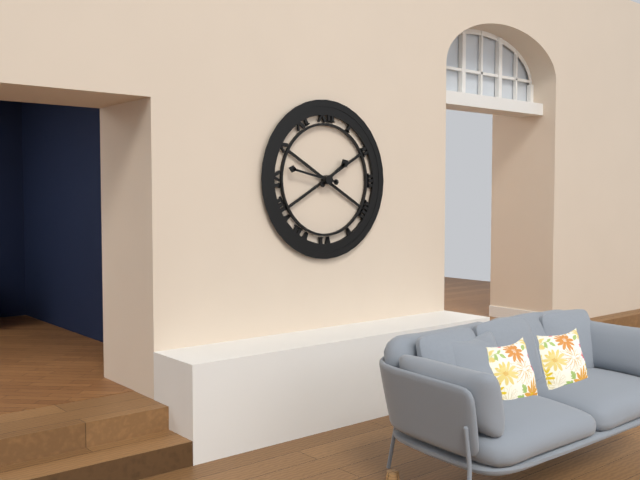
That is 1:47
